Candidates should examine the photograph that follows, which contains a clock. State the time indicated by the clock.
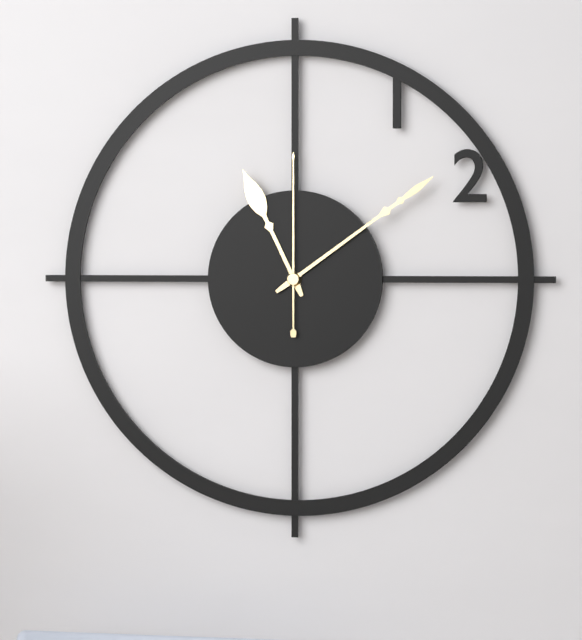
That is 11:09:00
